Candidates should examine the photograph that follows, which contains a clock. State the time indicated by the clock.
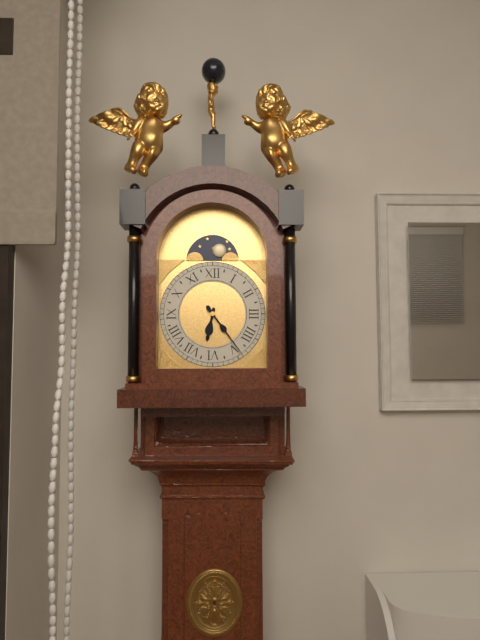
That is 6:24
